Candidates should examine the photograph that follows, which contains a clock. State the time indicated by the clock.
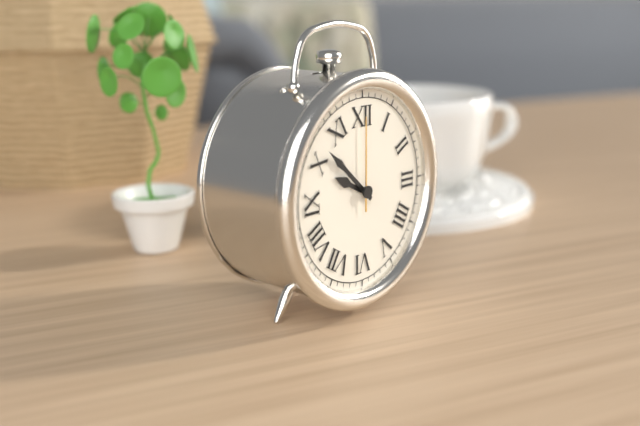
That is 9:52:00
